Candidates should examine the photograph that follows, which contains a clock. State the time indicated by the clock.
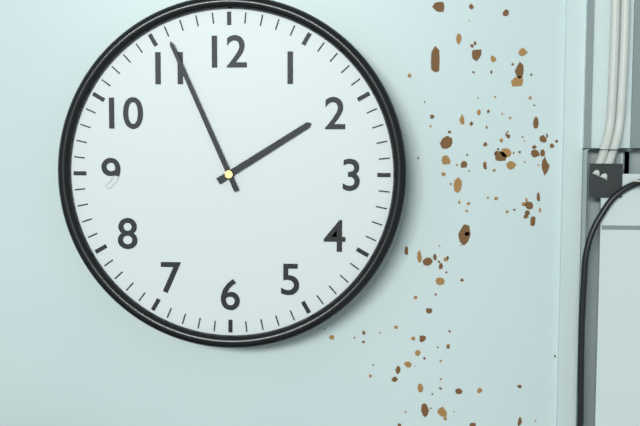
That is 1:56
